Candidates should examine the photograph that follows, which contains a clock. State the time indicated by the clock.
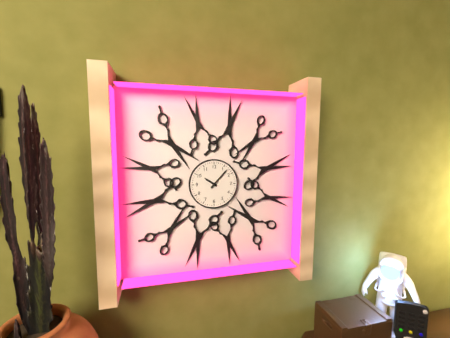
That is 10:07
